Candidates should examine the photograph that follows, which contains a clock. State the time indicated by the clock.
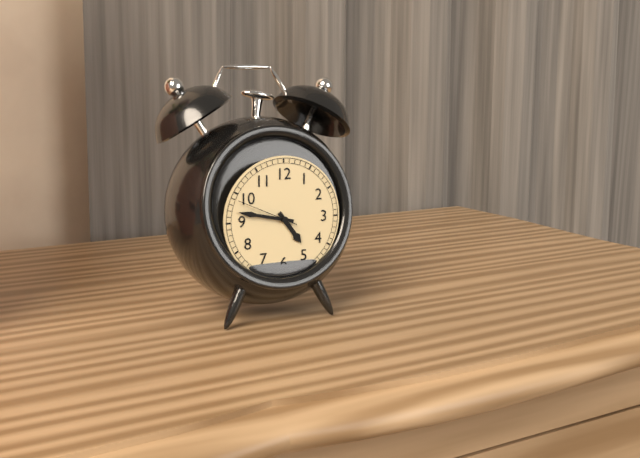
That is 4:47:49
